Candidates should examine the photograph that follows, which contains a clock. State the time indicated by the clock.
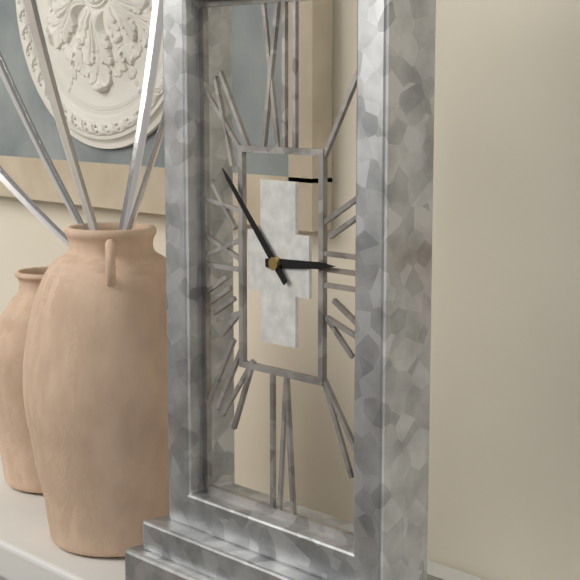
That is 2:53
